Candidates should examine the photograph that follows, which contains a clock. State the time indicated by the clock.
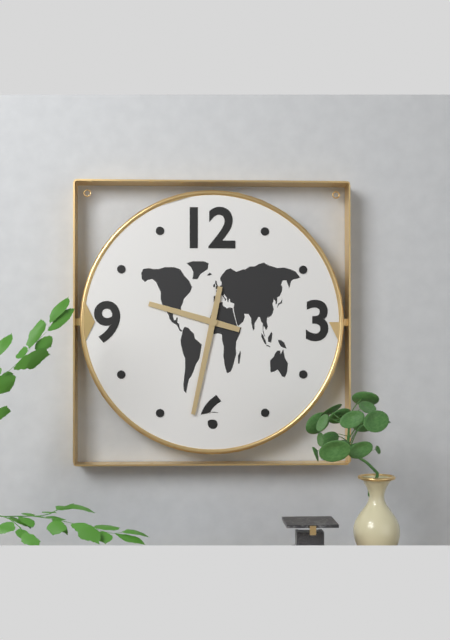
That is 9:32
